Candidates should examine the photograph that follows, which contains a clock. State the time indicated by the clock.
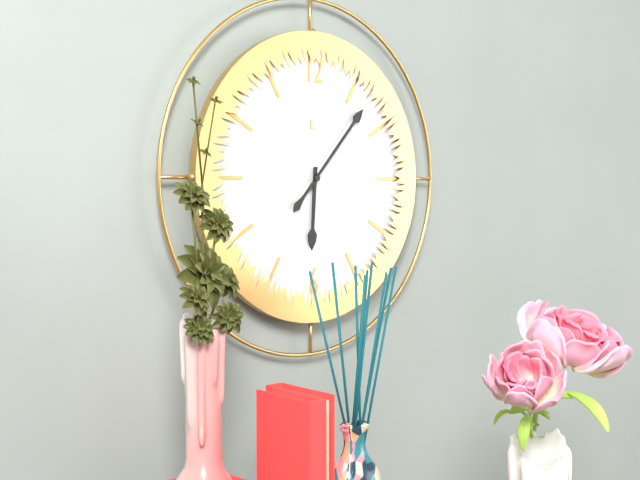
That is 6:07
